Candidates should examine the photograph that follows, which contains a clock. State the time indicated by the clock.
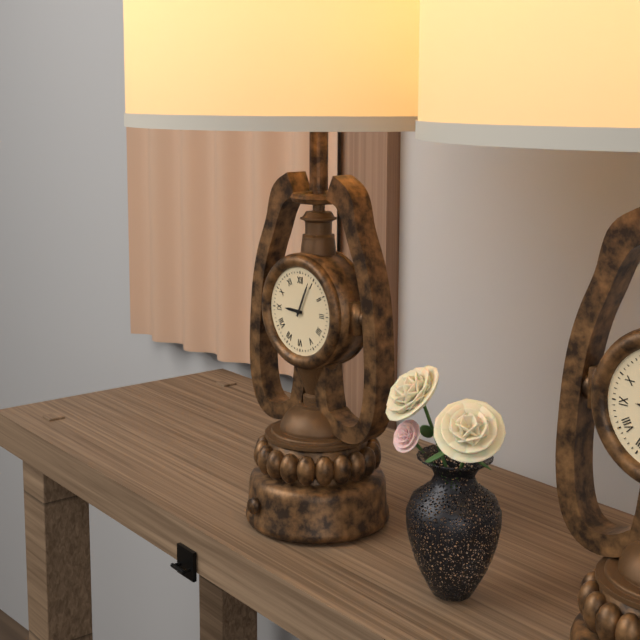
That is 9:04
